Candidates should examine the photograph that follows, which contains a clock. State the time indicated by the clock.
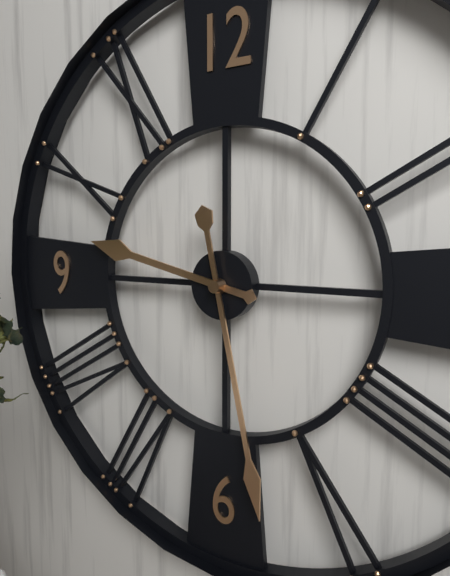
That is 9:28
